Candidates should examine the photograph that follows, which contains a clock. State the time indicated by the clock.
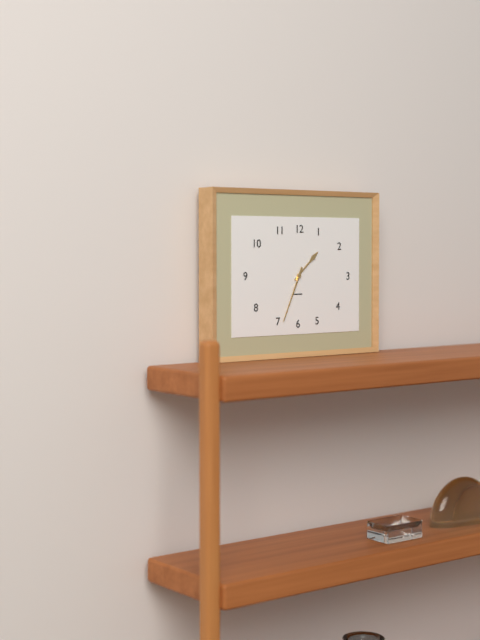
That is 1:34
